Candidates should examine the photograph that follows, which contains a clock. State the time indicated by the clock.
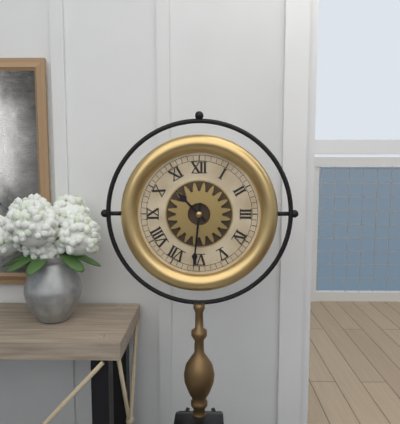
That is 10:31
